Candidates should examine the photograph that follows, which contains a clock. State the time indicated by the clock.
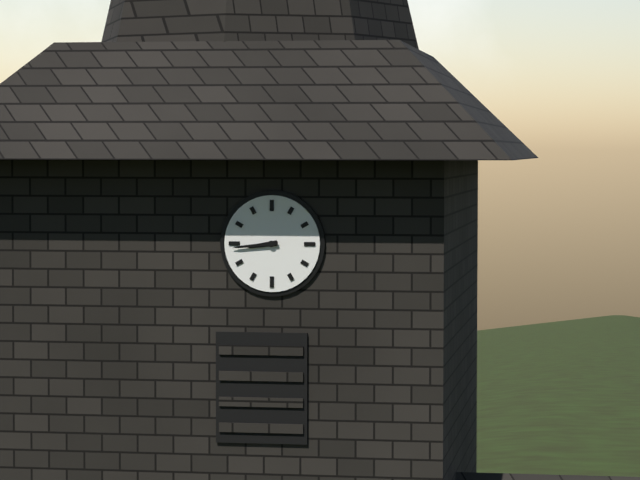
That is 8:44
